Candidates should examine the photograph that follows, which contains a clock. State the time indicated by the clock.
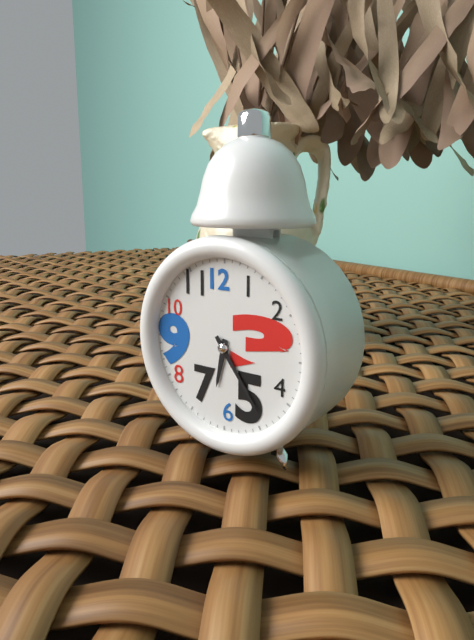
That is 6:24
